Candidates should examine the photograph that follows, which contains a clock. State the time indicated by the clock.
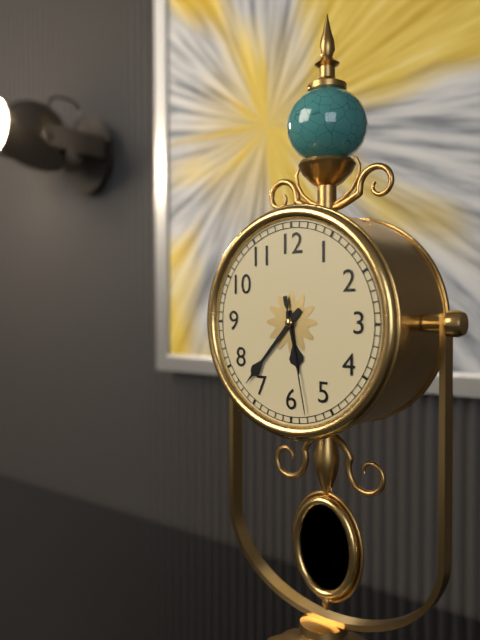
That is 5:37:28
